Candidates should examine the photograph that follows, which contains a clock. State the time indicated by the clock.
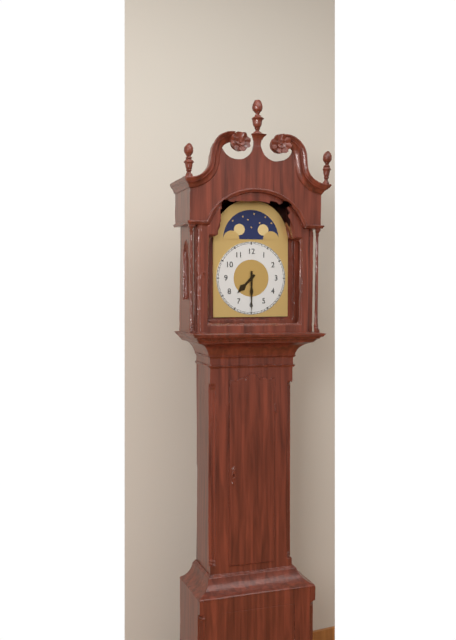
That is 7:30
